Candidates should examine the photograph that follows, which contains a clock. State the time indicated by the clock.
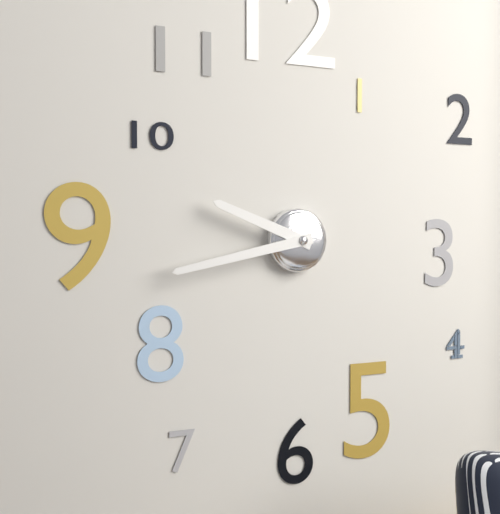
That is 9:43
